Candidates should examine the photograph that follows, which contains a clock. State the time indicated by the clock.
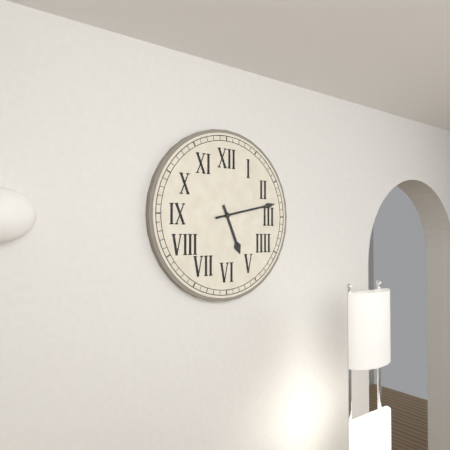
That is 5:13
